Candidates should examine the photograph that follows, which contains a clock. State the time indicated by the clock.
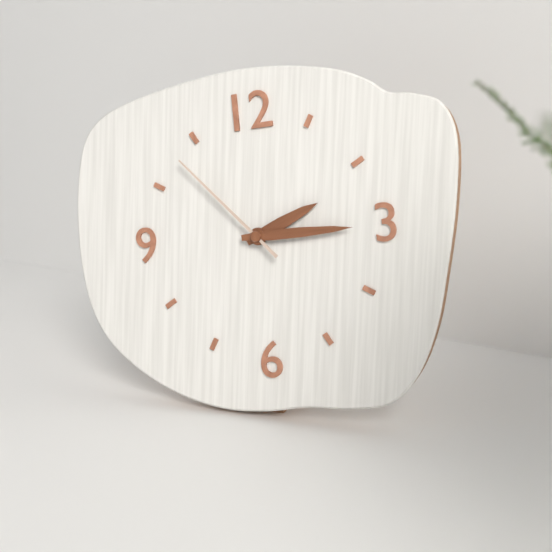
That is 2:15:53
